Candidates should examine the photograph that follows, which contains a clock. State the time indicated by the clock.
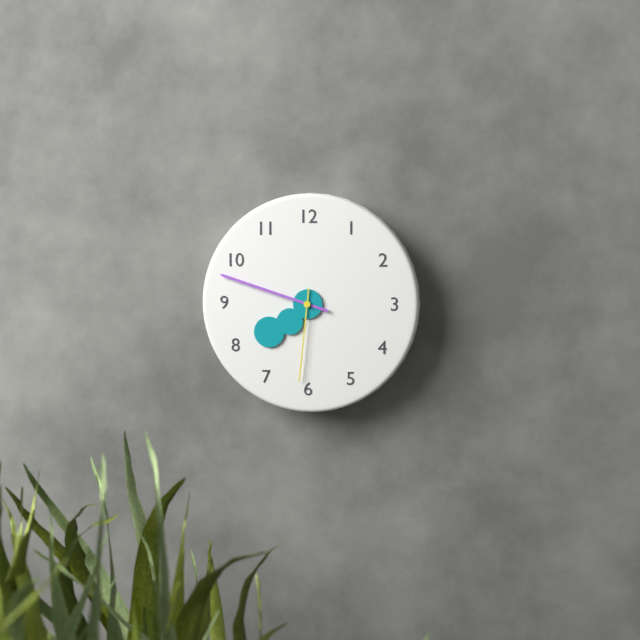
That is 7:48:31
